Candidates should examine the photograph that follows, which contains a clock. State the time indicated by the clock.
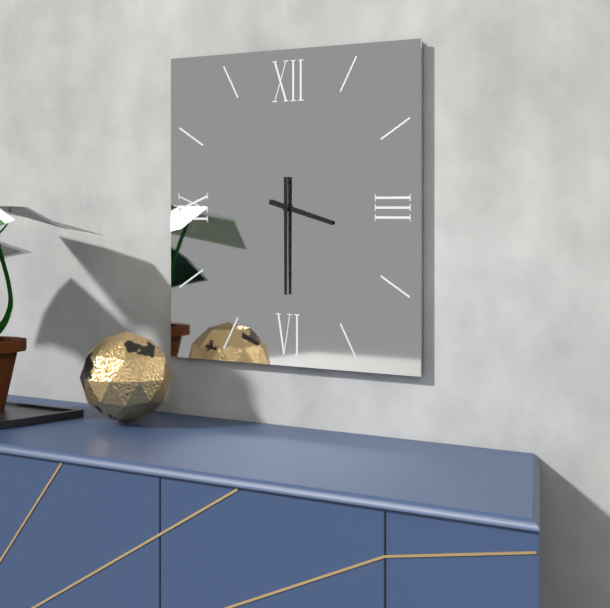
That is 3:30
